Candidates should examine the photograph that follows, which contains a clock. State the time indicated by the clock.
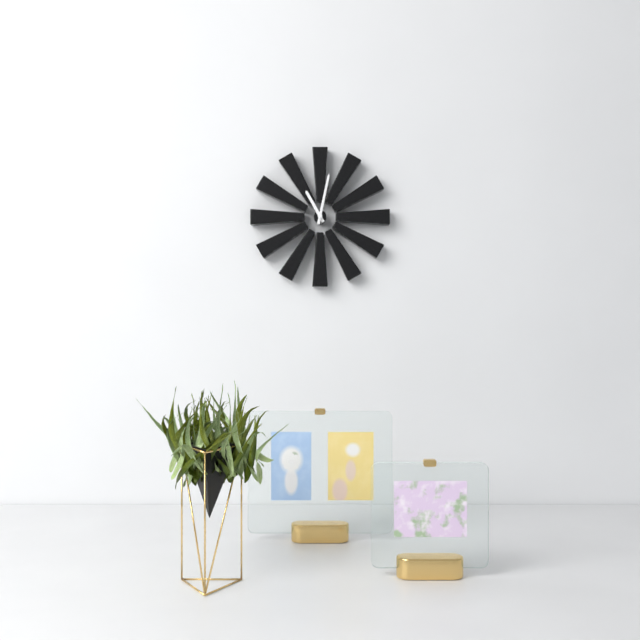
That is 11:02
